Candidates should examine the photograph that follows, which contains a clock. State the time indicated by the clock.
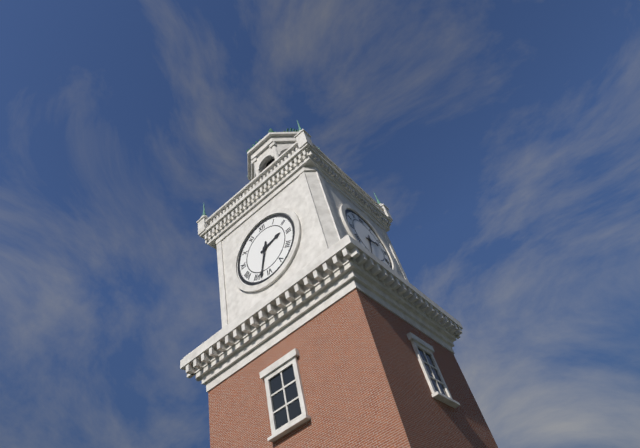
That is 2:33
